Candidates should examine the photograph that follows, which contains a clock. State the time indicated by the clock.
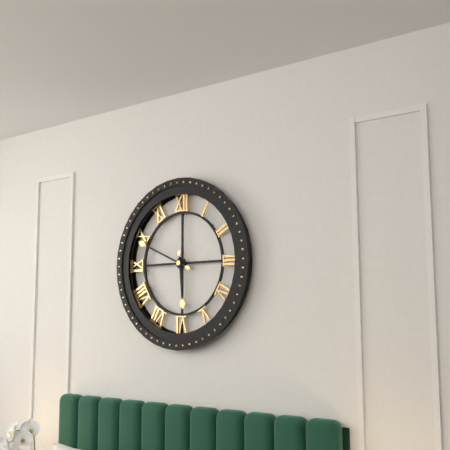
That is 5:49
